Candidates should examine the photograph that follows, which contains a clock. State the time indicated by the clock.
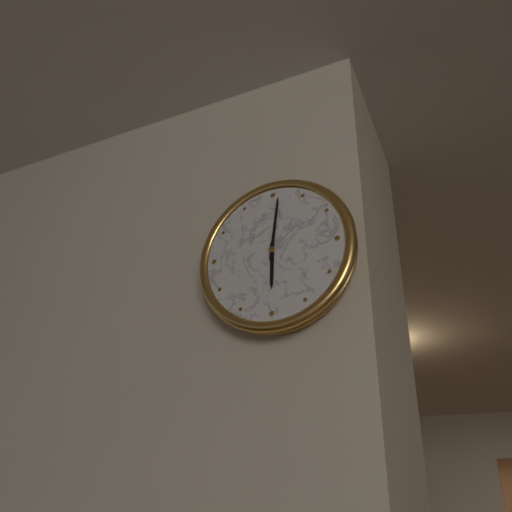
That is 6:01
